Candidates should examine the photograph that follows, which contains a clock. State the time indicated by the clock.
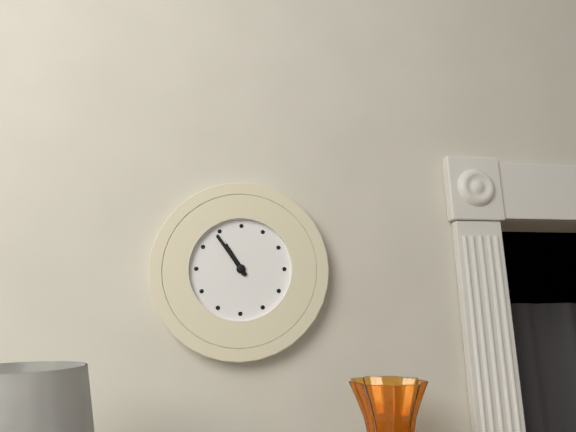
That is 10:54
